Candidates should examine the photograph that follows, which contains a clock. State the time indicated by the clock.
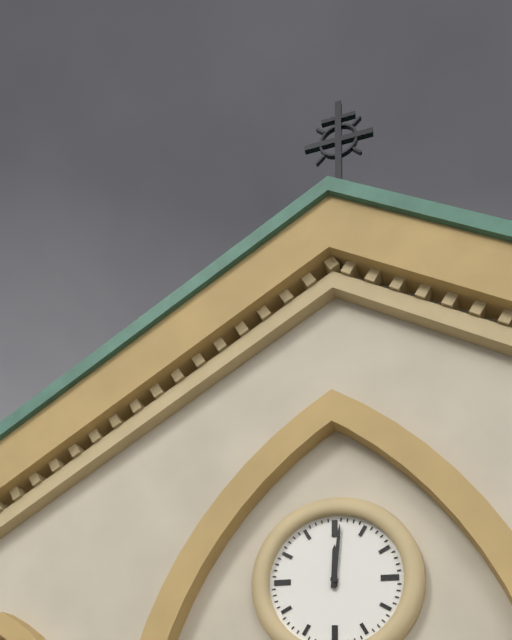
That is 12:01
